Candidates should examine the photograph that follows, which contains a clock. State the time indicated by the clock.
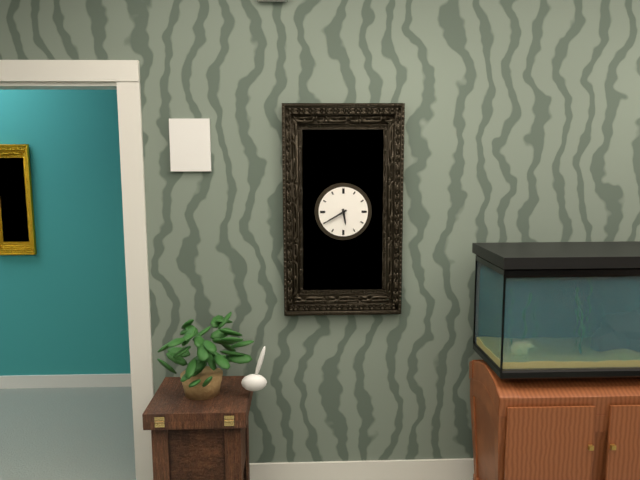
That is 5:40
